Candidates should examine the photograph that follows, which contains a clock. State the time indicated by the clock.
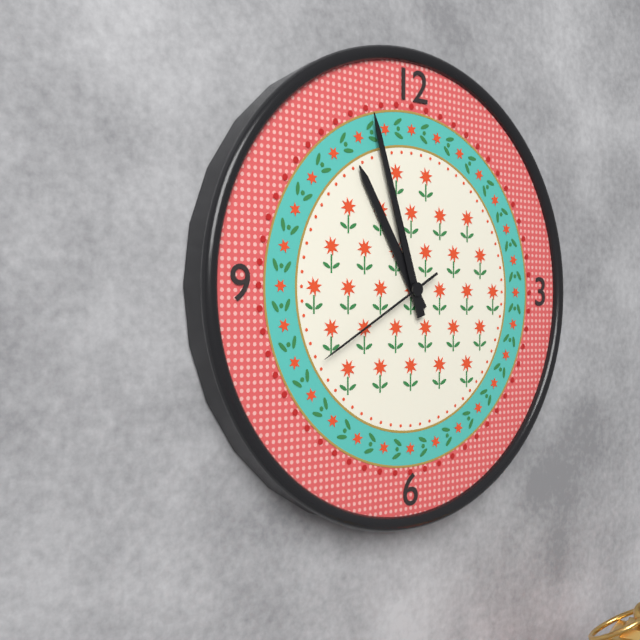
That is 10:57:40
